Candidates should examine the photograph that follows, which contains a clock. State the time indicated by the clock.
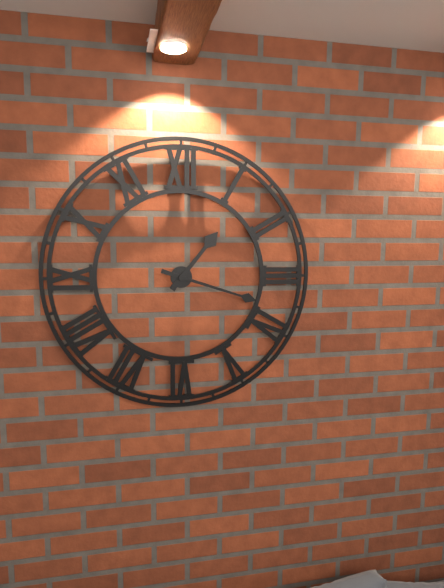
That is 1:18
